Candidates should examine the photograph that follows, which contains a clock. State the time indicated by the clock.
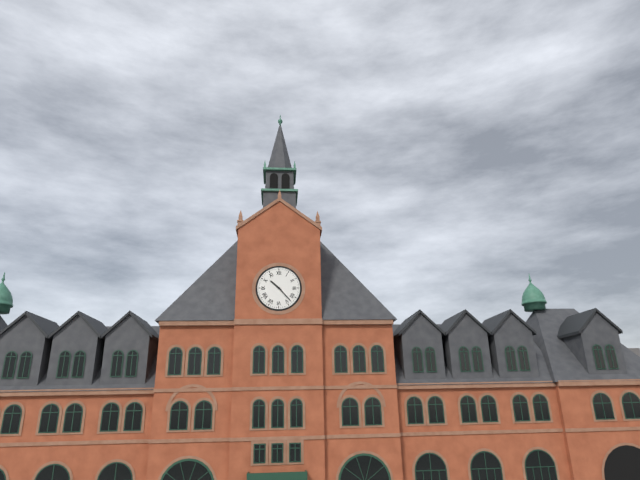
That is 10:23
